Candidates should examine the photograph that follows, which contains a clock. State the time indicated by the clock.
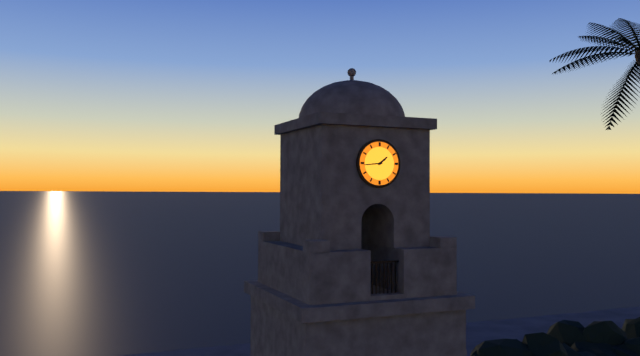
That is 1:44
